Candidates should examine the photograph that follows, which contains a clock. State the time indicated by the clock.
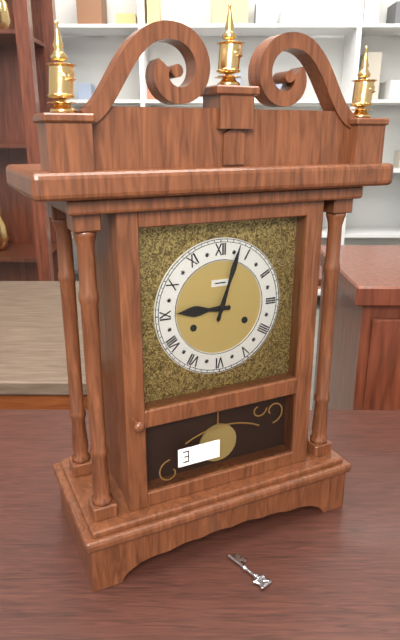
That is 9:03
